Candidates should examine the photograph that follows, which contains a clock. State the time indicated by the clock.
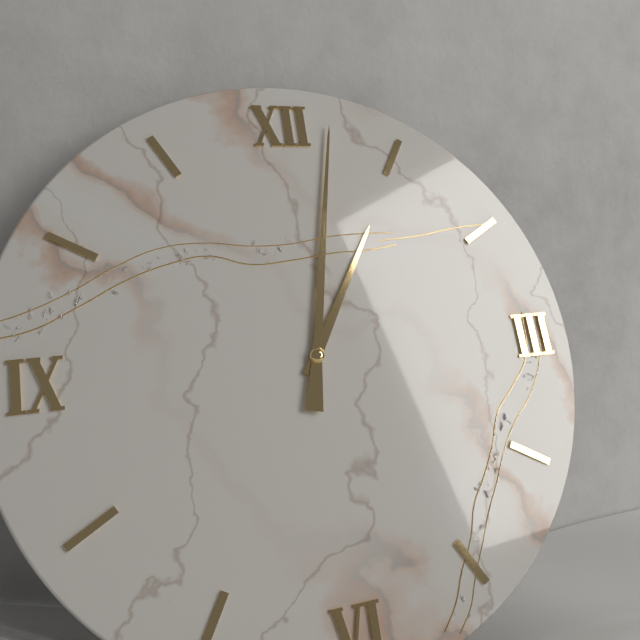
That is 1:02
